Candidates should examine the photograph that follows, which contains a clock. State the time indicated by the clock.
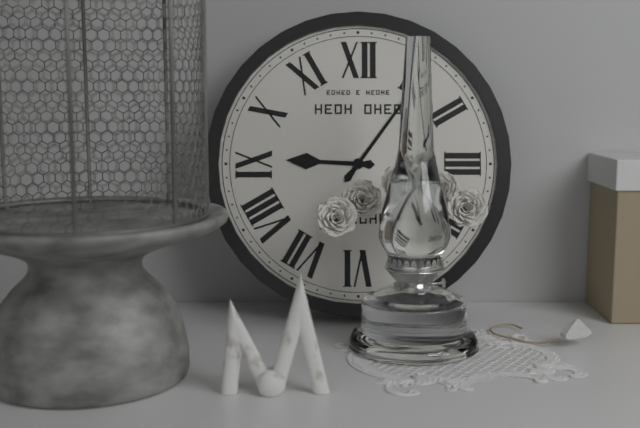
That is 9:06
